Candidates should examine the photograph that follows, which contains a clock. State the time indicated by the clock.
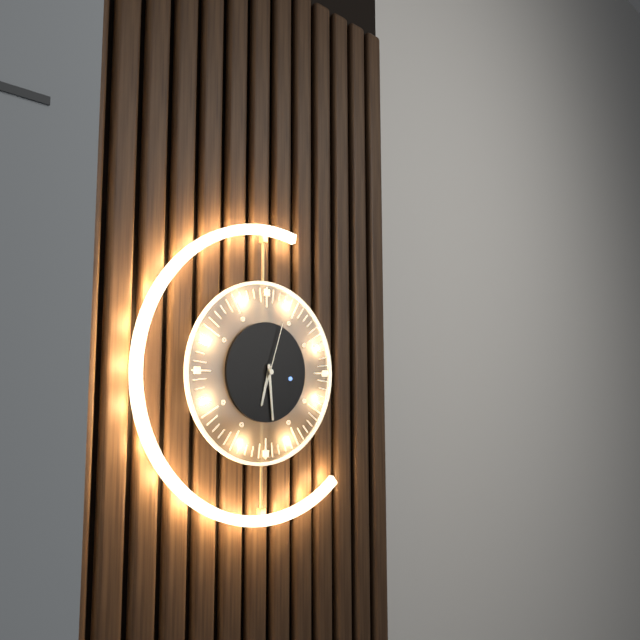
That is 6:29:03
